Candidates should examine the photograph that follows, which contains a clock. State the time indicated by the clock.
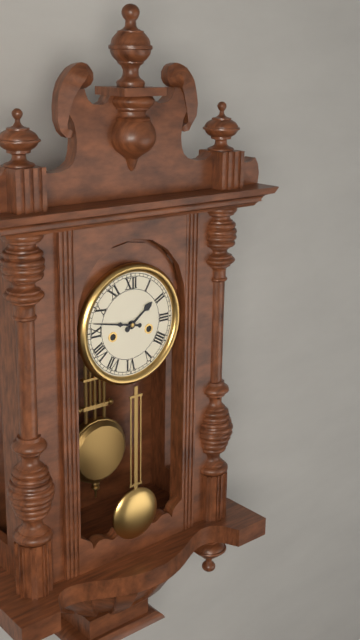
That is 1:47
